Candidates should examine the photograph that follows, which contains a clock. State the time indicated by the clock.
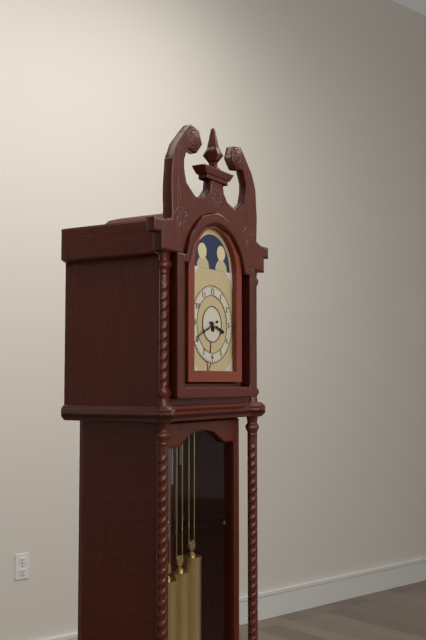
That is 3:41
